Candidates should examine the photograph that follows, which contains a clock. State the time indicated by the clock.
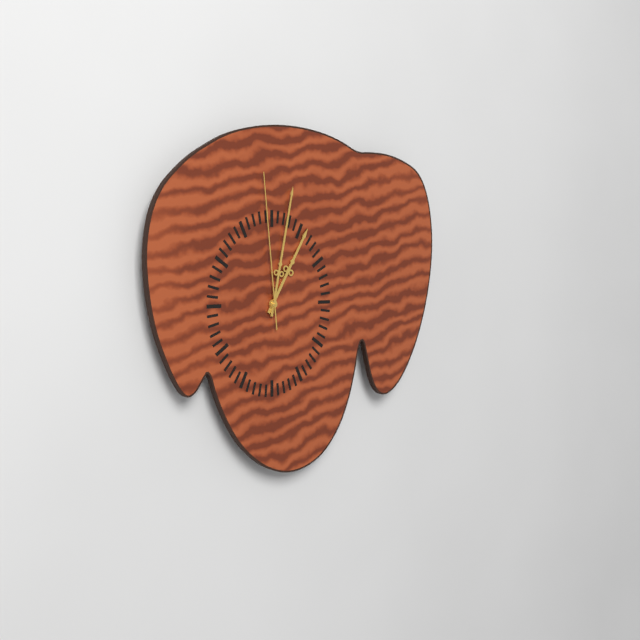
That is 1:02:59
